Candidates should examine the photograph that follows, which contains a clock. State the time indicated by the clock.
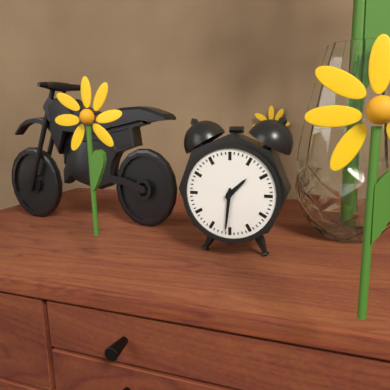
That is 1:31
